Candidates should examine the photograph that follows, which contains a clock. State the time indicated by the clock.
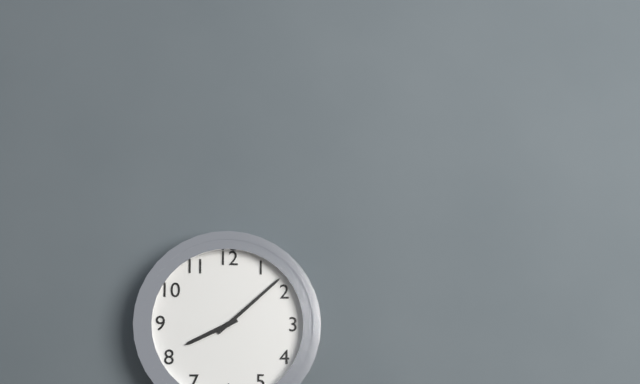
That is 8:08
